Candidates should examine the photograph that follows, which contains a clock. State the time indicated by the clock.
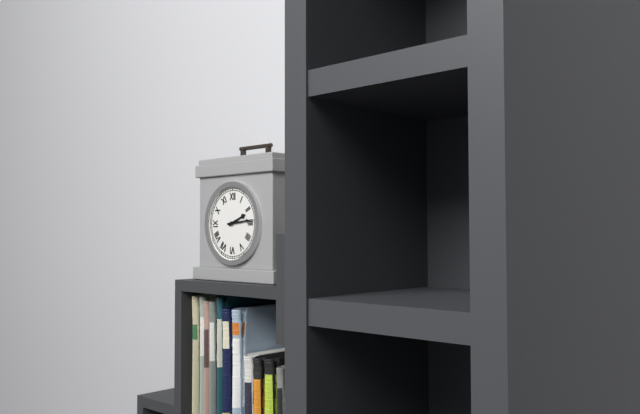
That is 2:14
